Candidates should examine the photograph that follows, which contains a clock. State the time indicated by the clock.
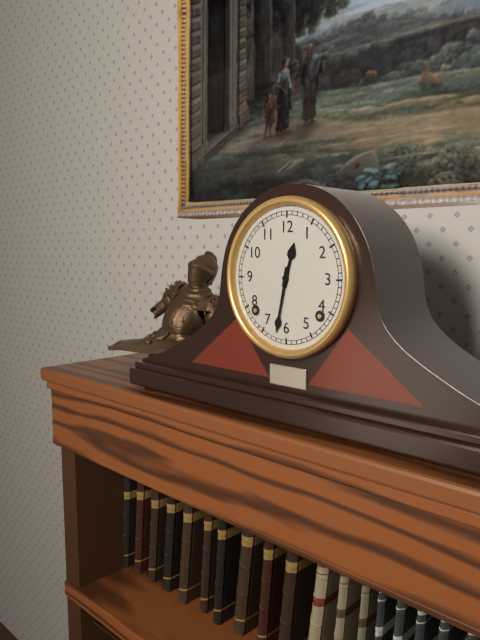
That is 12:32
